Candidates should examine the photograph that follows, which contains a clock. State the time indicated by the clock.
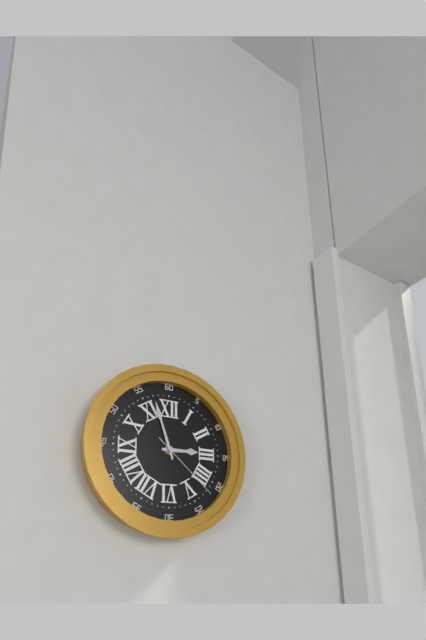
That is 2:57:22
